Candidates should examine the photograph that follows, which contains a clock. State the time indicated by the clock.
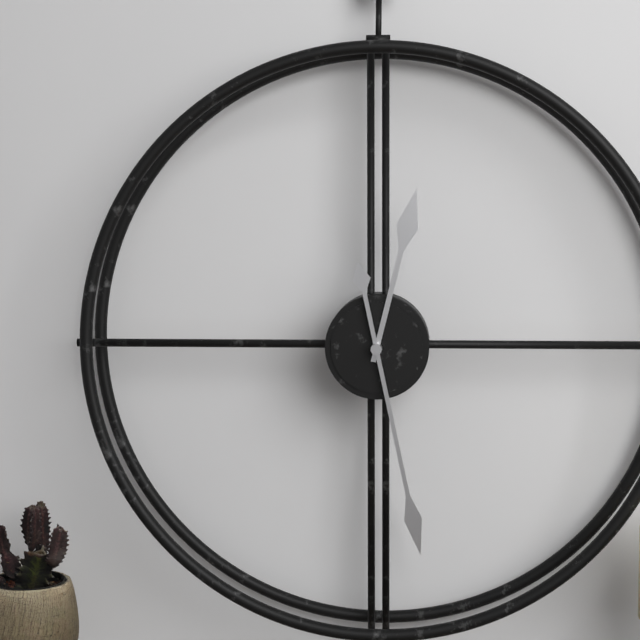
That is 12:28
